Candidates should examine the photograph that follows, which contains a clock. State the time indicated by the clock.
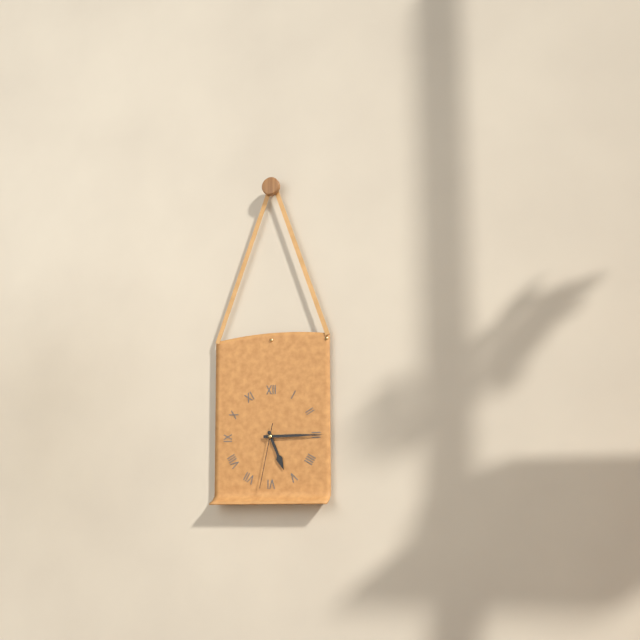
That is 5:15:32
